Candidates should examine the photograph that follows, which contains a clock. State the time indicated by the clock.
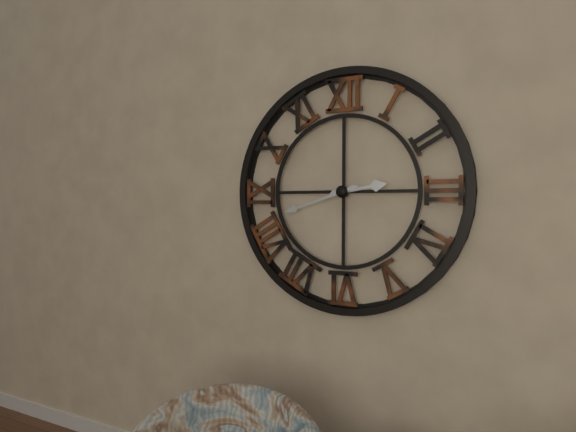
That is 2:42
